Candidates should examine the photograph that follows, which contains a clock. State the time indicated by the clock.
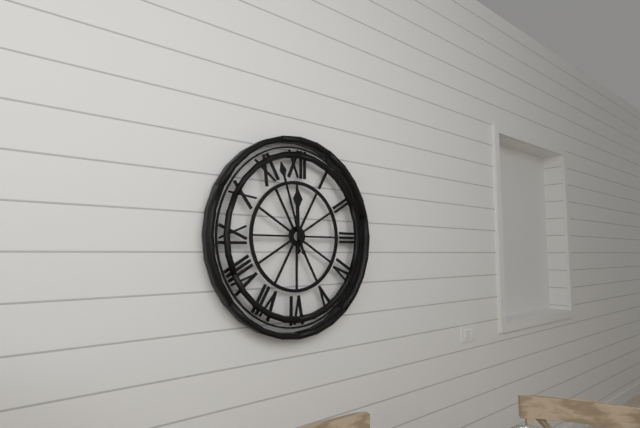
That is 11:57
